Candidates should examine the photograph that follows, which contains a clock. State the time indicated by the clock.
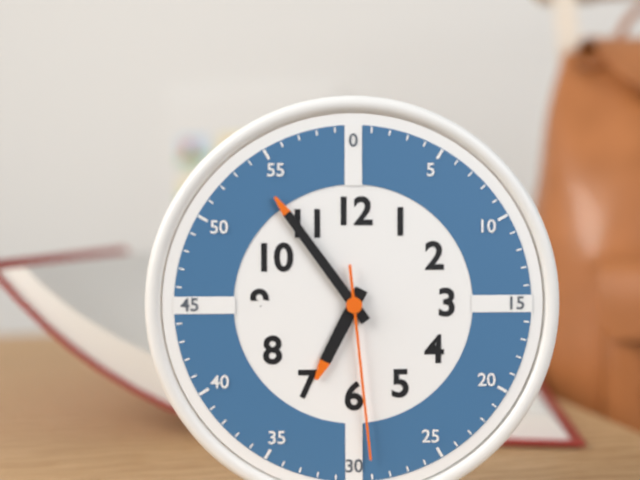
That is 6:54:29
